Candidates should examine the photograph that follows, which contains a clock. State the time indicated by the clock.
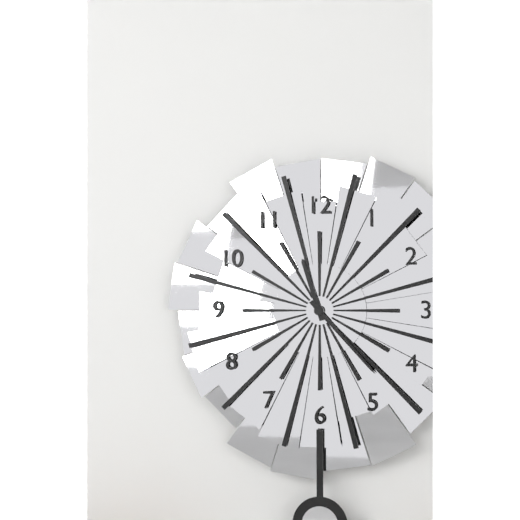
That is 11:23
